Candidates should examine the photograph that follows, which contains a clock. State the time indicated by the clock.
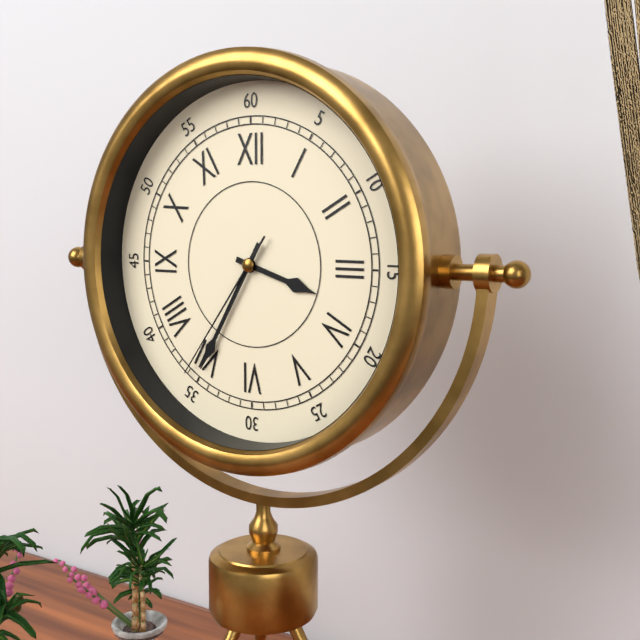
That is 3:35:36
